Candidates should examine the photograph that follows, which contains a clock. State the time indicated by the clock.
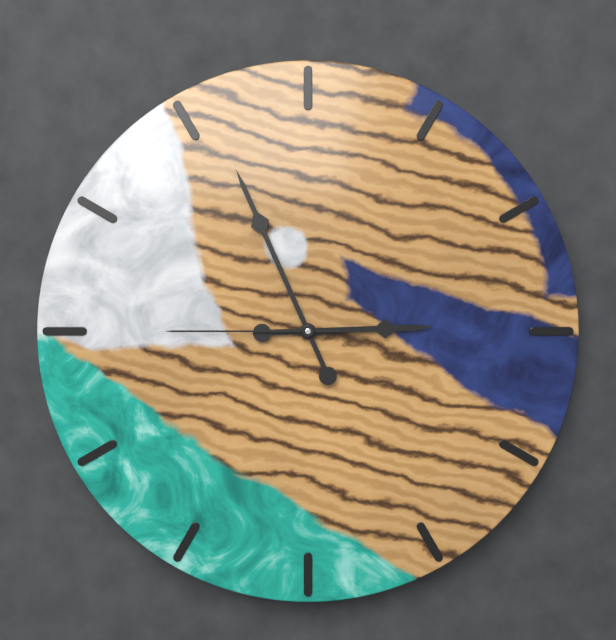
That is 2:56:45
